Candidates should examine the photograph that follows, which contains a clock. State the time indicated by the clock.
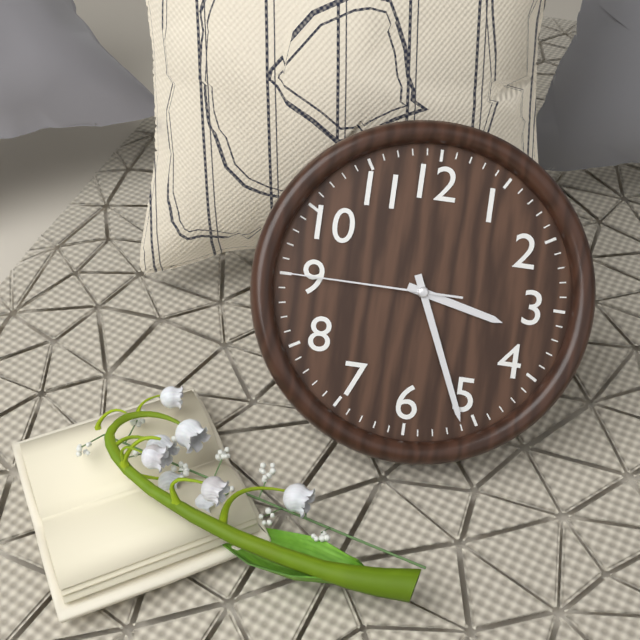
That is 3:26:45
